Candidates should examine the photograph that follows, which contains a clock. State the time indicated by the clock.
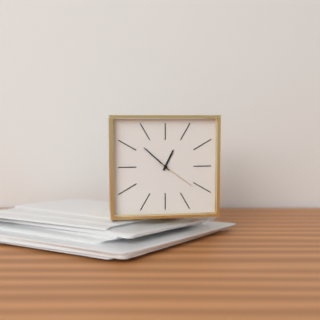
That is 12:52
